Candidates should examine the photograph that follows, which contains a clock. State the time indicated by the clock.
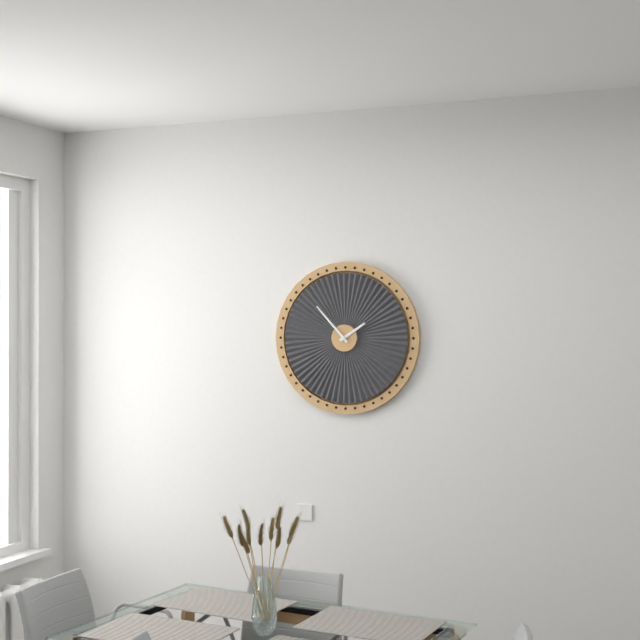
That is 1:53
